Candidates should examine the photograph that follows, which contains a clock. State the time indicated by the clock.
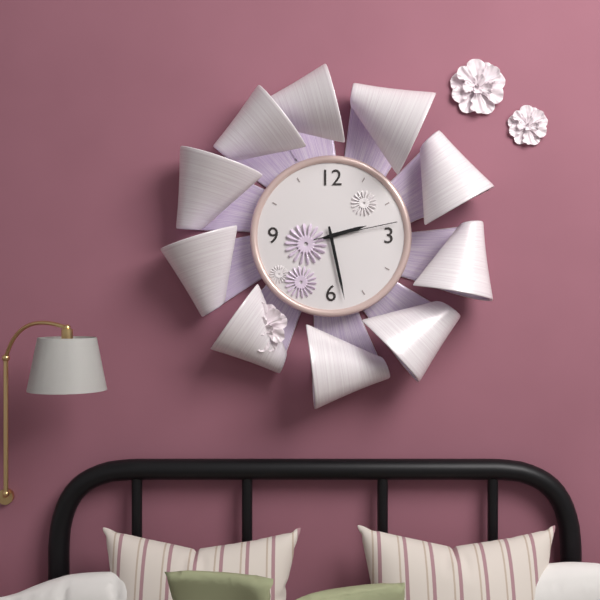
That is 2:28:13
